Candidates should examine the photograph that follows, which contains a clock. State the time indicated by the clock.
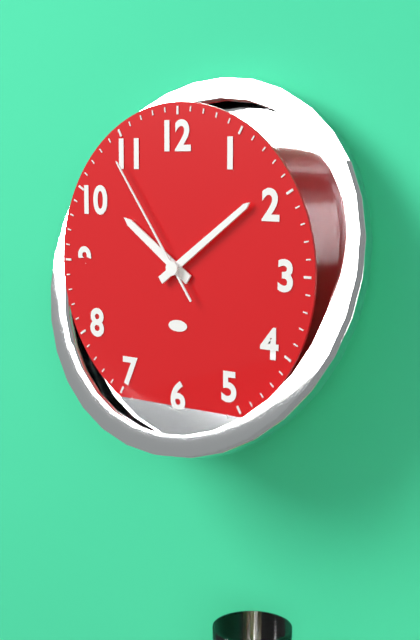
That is 10:09:54
